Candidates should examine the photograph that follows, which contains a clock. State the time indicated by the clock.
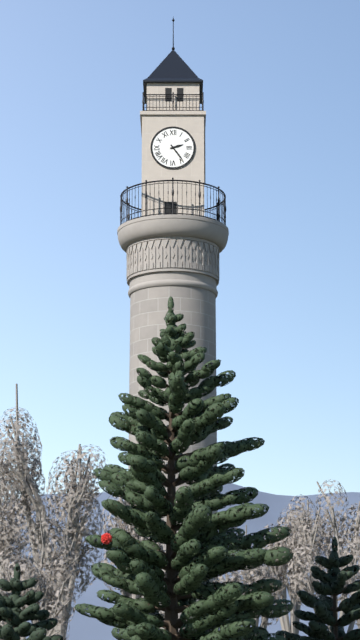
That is 2:24
